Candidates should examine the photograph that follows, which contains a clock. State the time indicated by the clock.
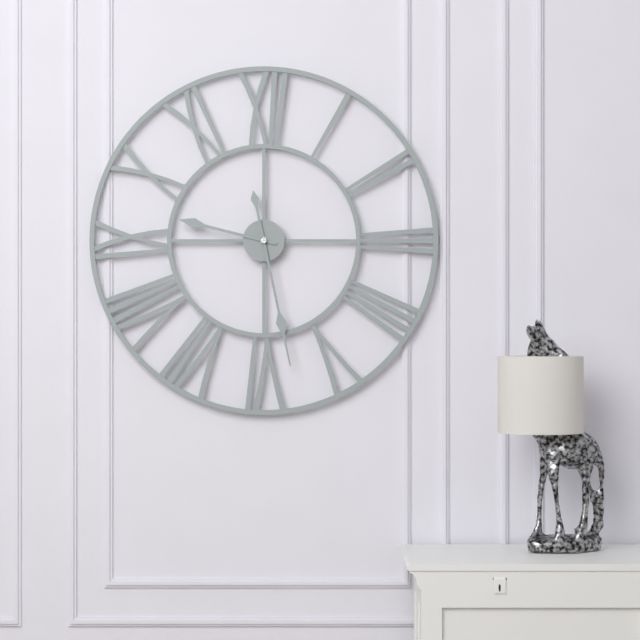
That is 9:28
